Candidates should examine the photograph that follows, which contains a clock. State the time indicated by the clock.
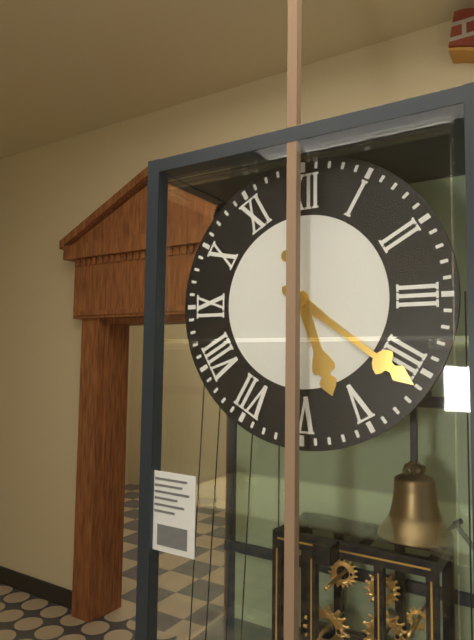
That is 5:21
